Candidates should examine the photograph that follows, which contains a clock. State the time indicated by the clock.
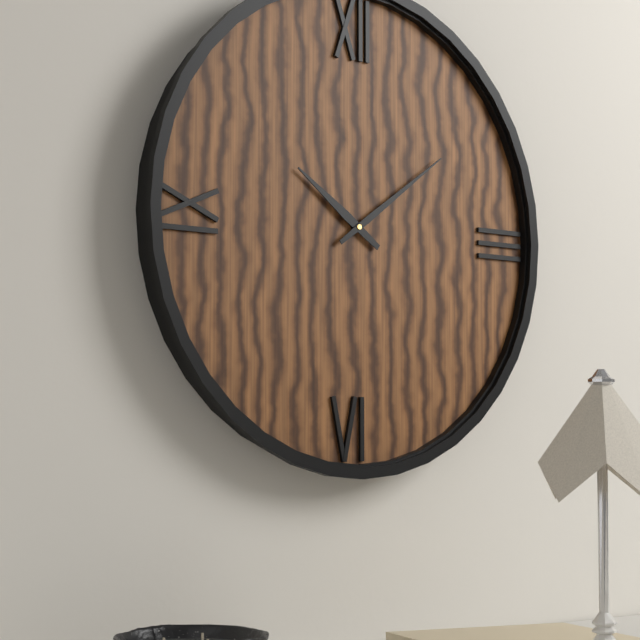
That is 10:09
